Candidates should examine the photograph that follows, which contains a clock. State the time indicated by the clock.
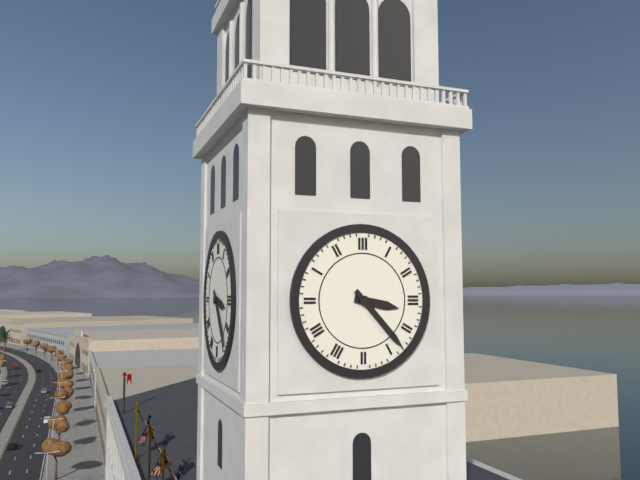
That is 3:23
